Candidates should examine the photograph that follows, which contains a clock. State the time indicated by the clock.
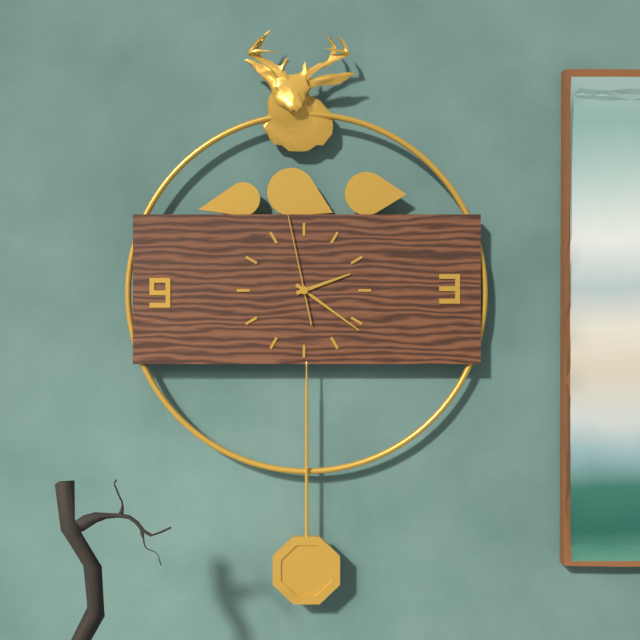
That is 2:21:58
